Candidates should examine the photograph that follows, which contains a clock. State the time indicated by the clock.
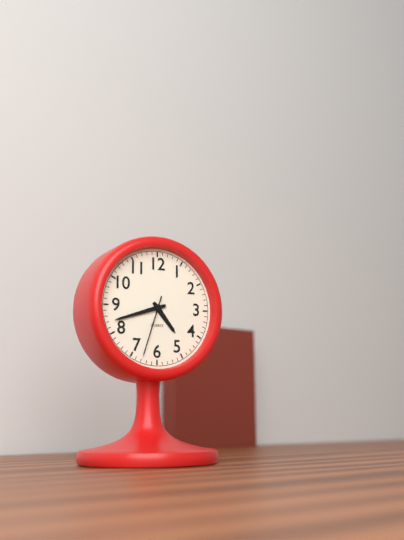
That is 4:42:33
